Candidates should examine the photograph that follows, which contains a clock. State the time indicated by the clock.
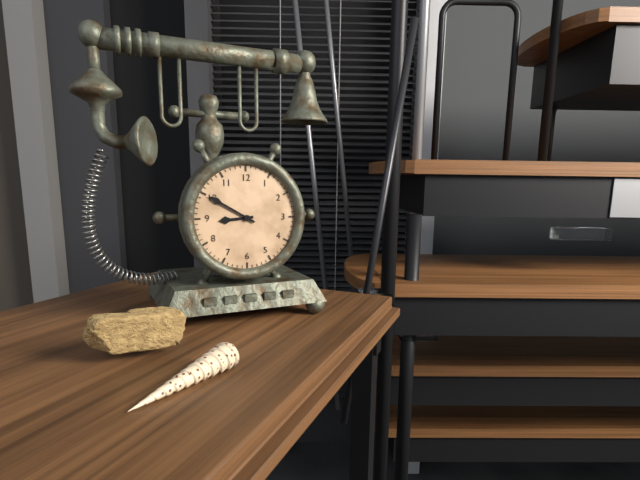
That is 8:50
